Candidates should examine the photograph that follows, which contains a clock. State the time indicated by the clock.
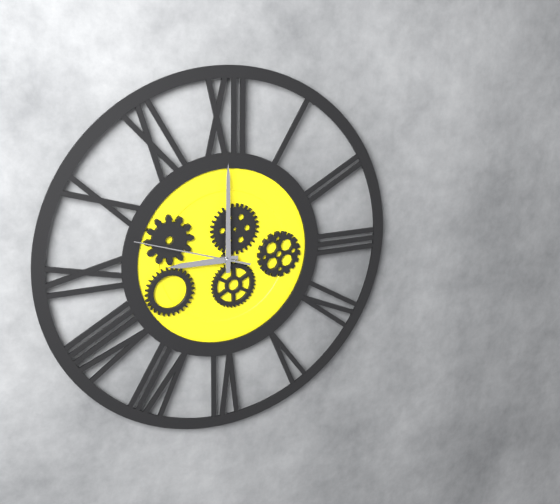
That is 9:00:48
